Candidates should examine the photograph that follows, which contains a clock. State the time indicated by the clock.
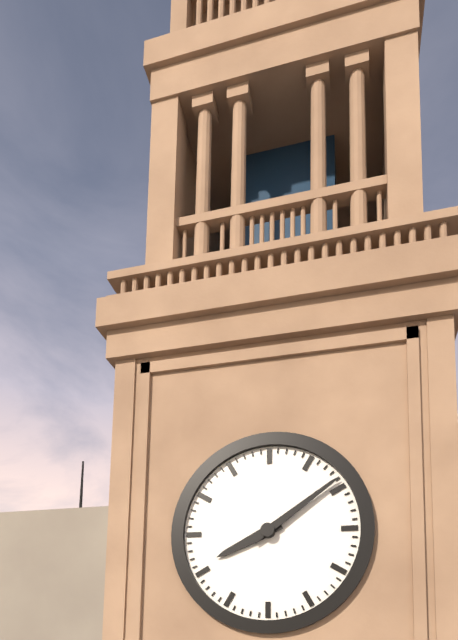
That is 8:09
